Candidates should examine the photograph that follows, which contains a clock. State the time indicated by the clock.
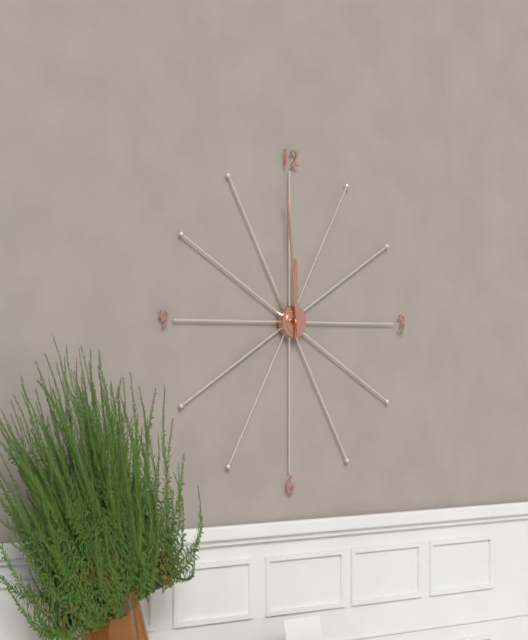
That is 11:59
